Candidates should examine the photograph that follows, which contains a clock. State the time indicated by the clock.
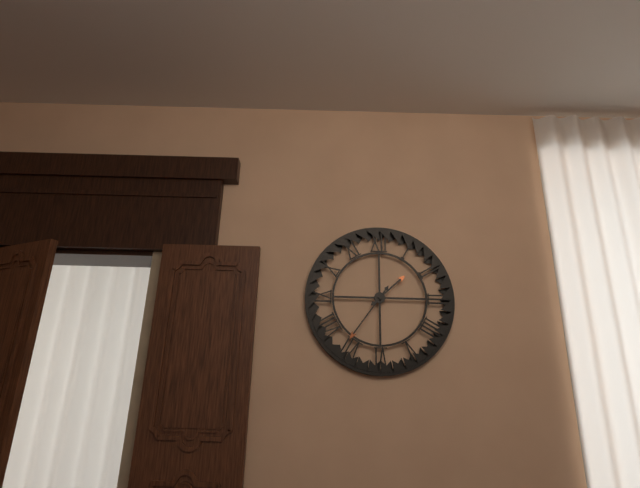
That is 1:36
